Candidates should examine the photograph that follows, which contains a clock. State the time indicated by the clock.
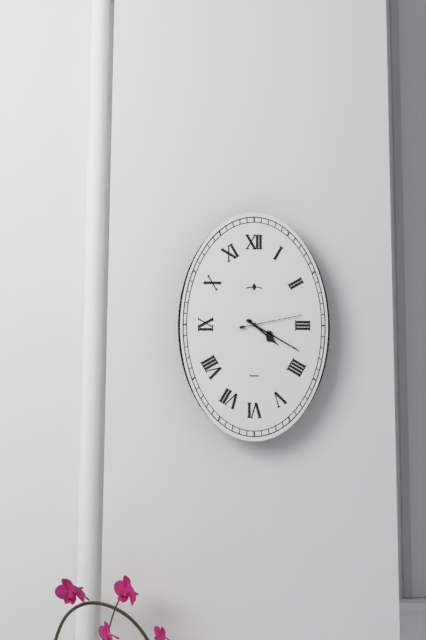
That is 4:20:13
